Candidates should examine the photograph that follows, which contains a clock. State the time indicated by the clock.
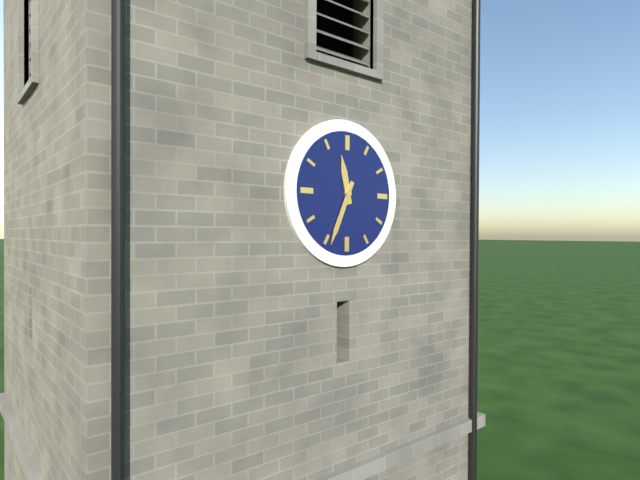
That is 11:34
